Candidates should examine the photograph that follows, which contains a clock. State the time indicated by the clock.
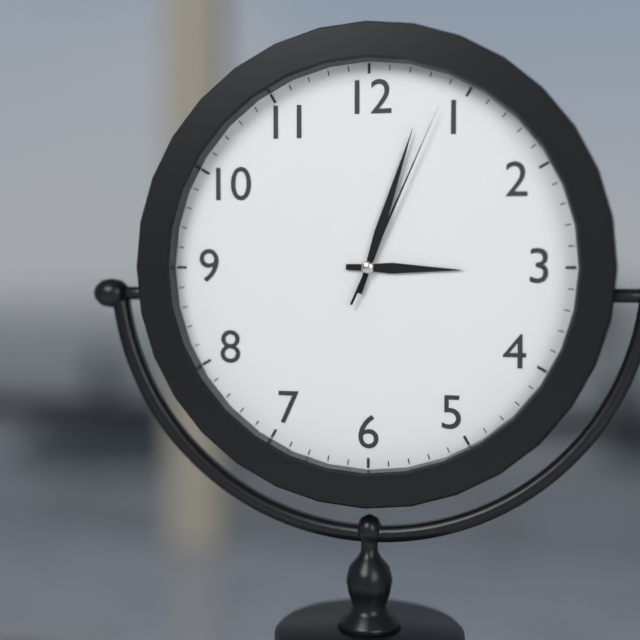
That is 3:03:04
